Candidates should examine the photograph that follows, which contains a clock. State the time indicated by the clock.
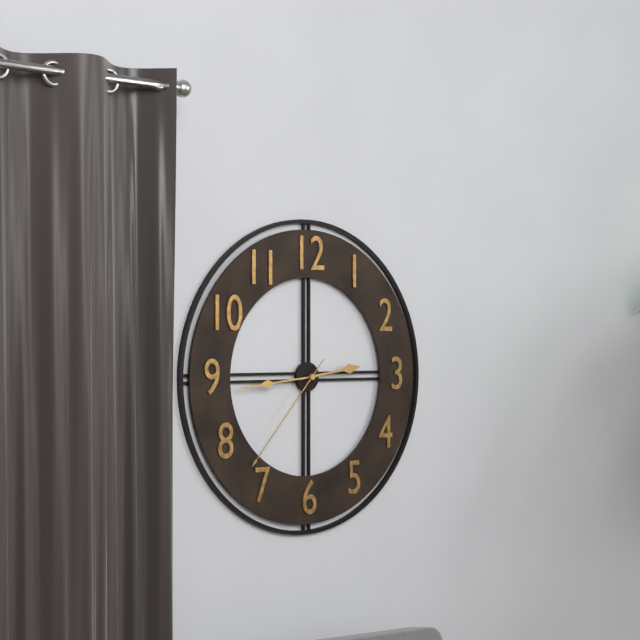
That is 2:44:37
